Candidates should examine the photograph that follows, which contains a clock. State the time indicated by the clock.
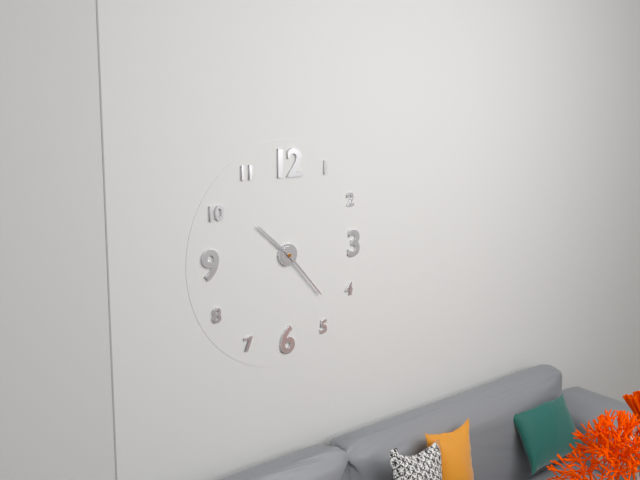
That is 10:23
